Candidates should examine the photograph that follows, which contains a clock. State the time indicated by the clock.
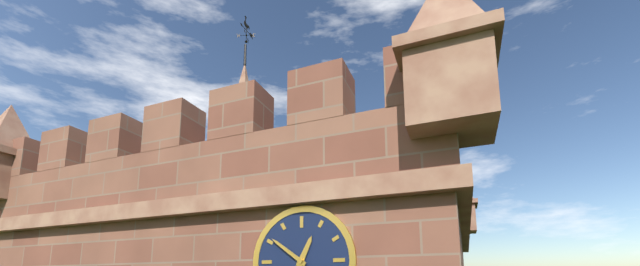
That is 12:51
